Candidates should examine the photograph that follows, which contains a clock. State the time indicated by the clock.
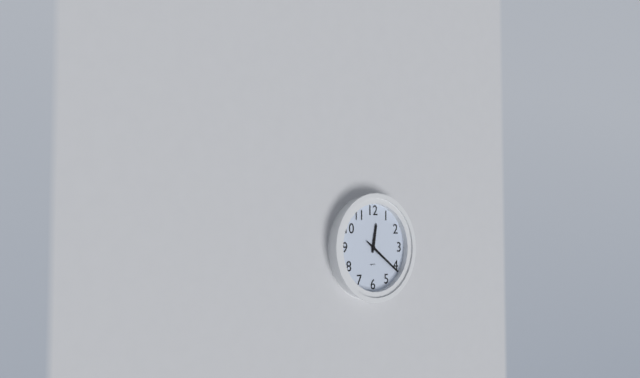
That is 12:21
